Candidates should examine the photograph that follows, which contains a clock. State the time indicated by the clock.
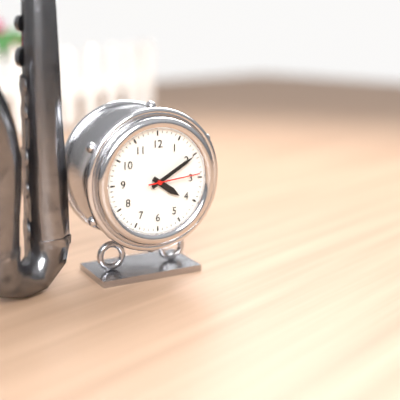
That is 4:10:14
